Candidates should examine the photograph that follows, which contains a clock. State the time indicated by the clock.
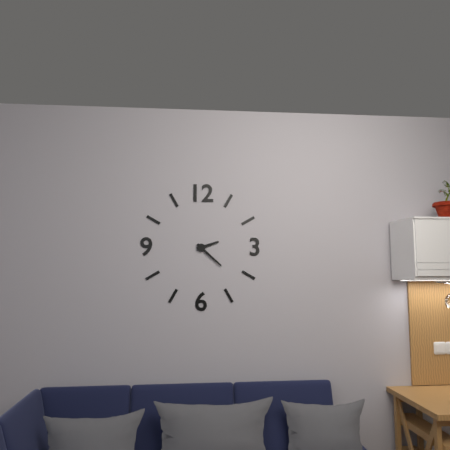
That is 2:22
